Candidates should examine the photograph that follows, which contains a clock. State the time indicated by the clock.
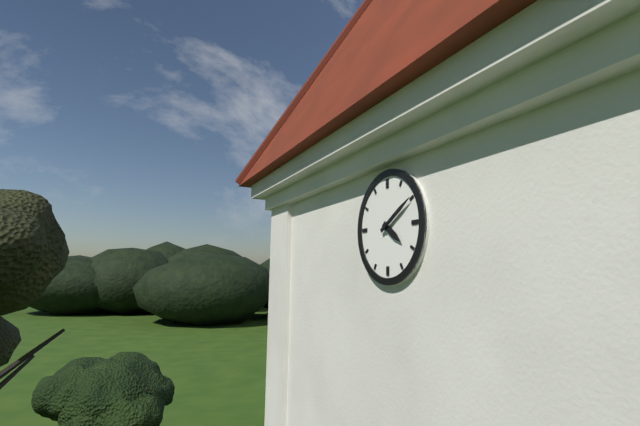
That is 4:10
